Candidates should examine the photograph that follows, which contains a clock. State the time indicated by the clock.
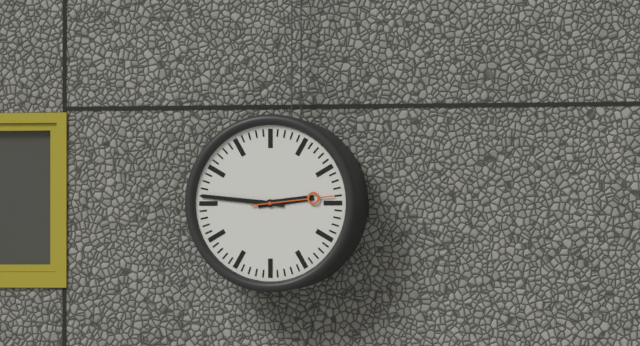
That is 2:46:14
